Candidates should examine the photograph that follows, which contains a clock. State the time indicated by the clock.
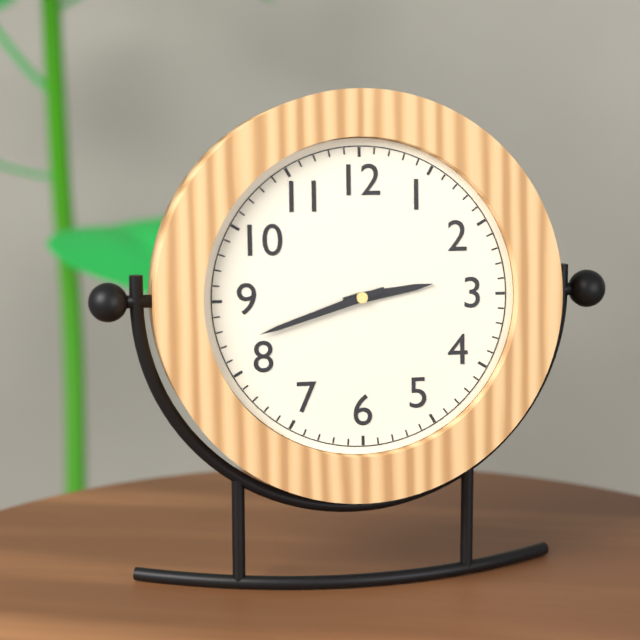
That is 2:42
